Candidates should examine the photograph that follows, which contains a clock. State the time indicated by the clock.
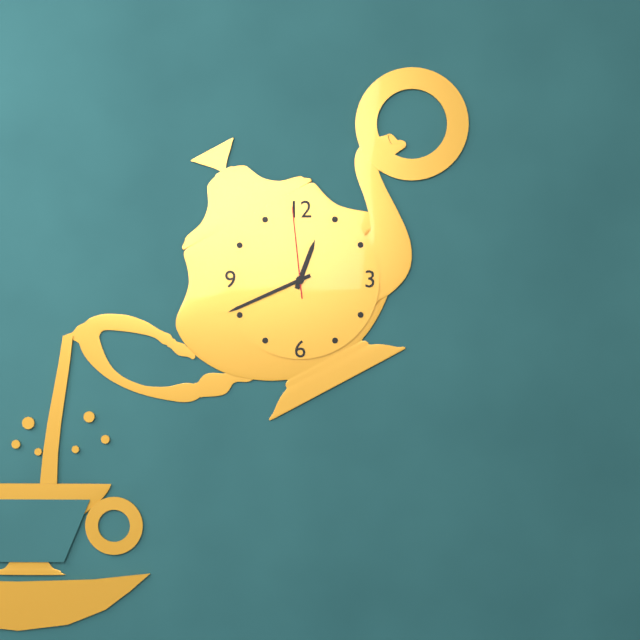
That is 12:41:59
